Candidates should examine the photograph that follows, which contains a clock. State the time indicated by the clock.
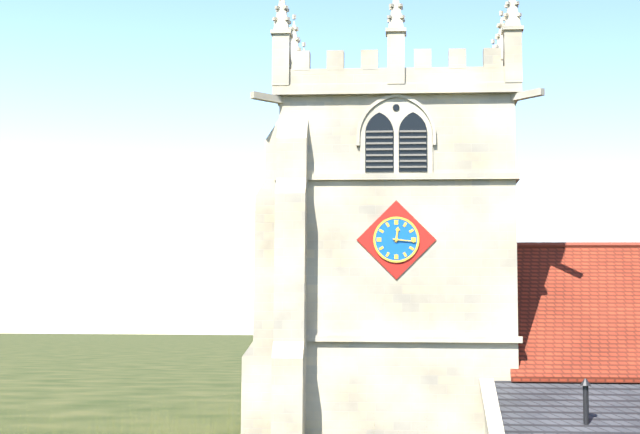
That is 12:16
